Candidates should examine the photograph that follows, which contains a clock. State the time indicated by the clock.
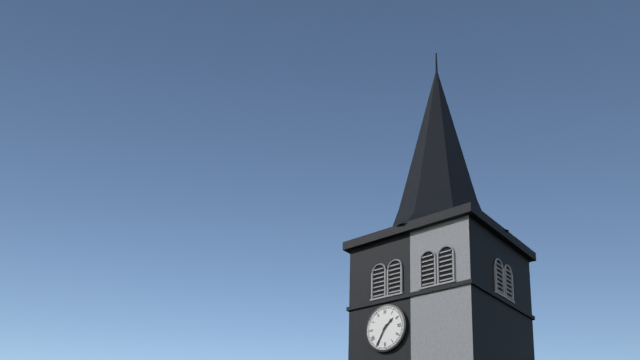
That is 1:35
